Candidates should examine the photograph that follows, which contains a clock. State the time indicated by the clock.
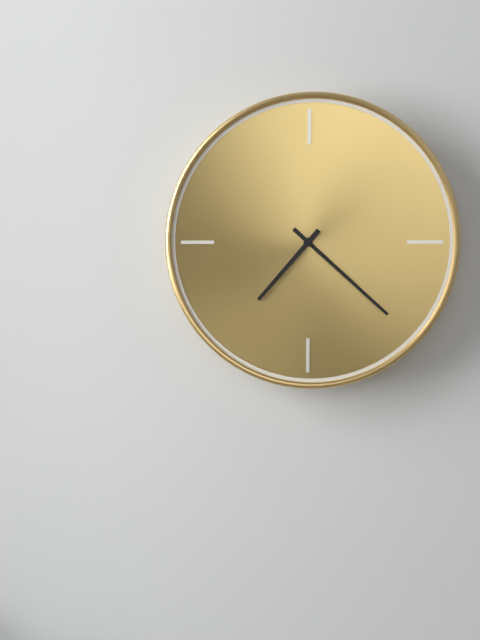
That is 7:22
